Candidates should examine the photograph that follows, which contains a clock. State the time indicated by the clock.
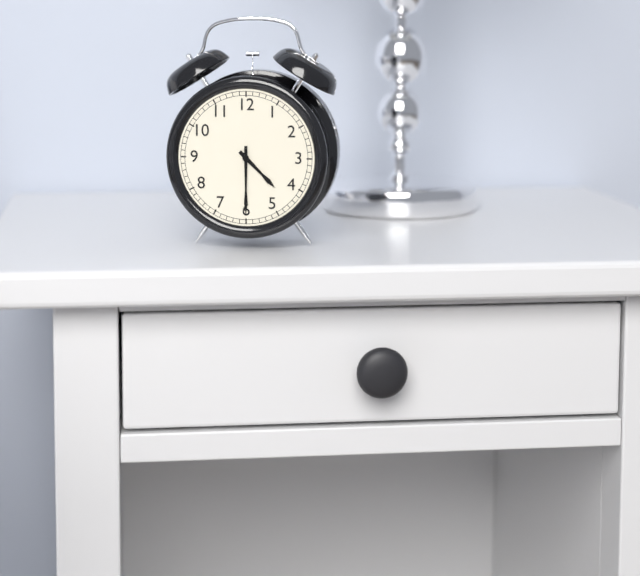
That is 4:30
